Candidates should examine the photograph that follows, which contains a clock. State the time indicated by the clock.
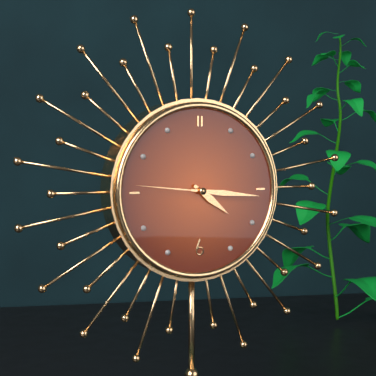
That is 4:16:46
